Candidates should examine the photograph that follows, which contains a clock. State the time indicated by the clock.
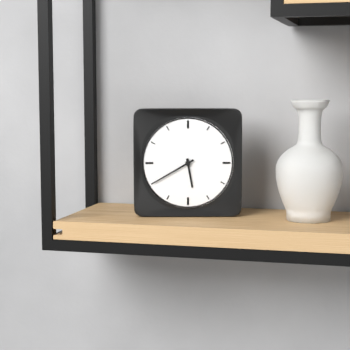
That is 5:40
